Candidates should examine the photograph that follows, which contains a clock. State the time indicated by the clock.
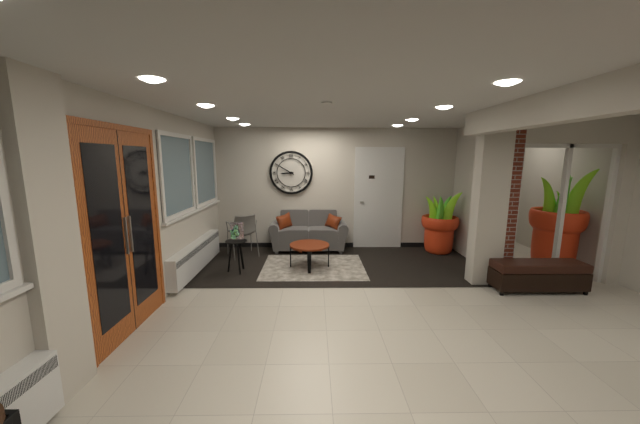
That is 8:50
